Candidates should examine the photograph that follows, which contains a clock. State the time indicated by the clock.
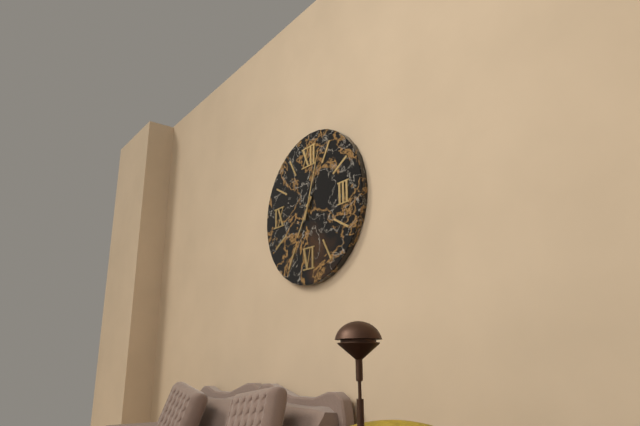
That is 7:03
